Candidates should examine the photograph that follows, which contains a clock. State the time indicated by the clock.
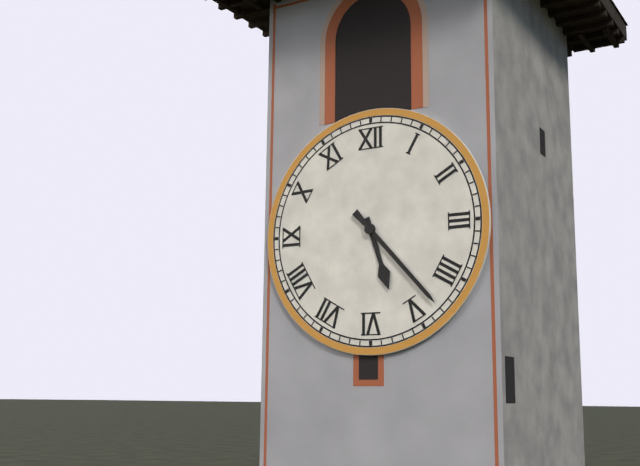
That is 5:23
